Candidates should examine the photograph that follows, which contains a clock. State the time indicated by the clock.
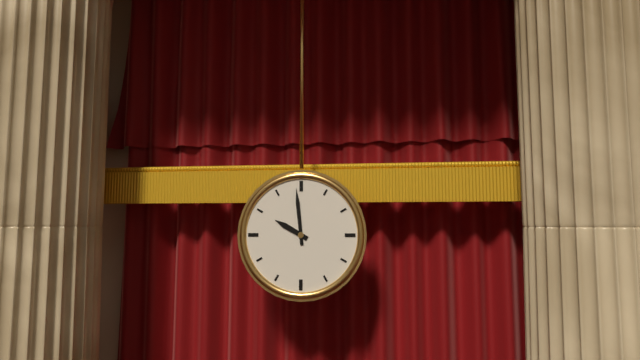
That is 9:59
